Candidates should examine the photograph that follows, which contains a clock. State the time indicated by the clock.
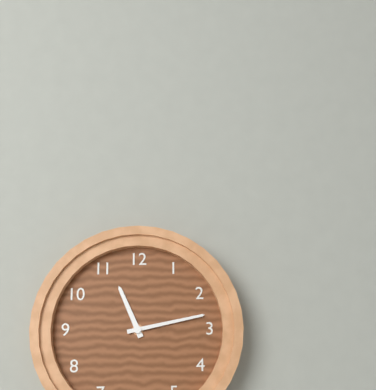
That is 11:13
